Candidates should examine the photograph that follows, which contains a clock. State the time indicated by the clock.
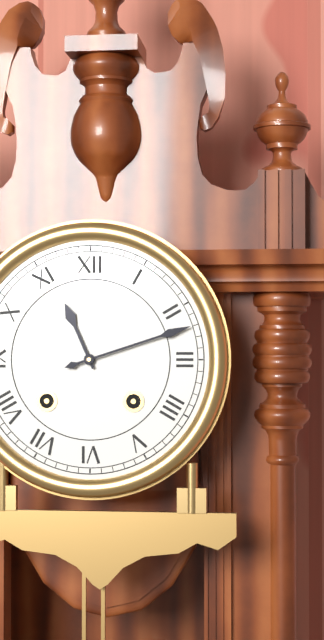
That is 11:12
